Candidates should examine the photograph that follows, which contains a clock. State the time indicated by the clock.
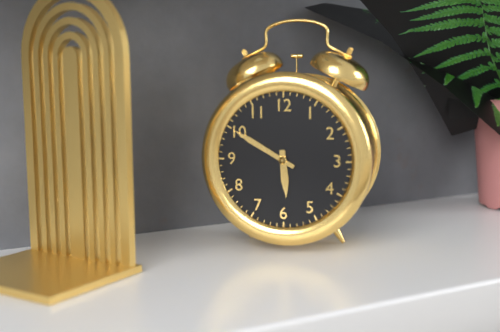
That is 5:50
